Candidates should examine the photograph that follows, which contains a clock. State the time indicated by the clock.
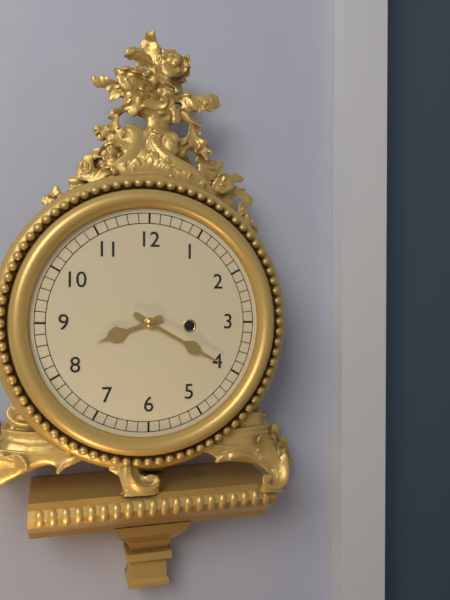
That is 8:20
